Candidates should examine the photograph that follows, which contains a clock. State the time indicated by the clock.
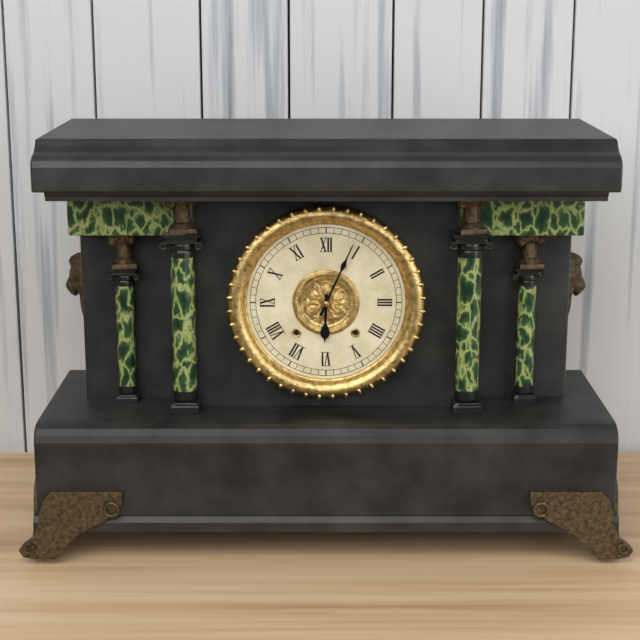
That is 6:04
